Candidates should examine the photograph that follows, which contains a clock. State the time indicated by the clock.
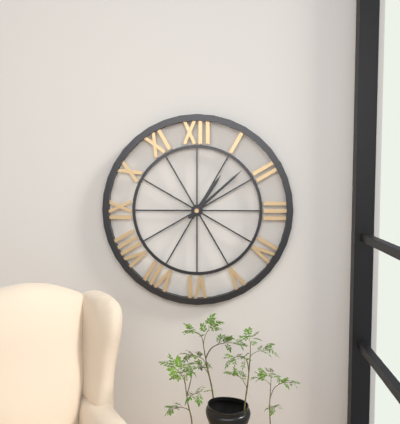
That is 1:08
